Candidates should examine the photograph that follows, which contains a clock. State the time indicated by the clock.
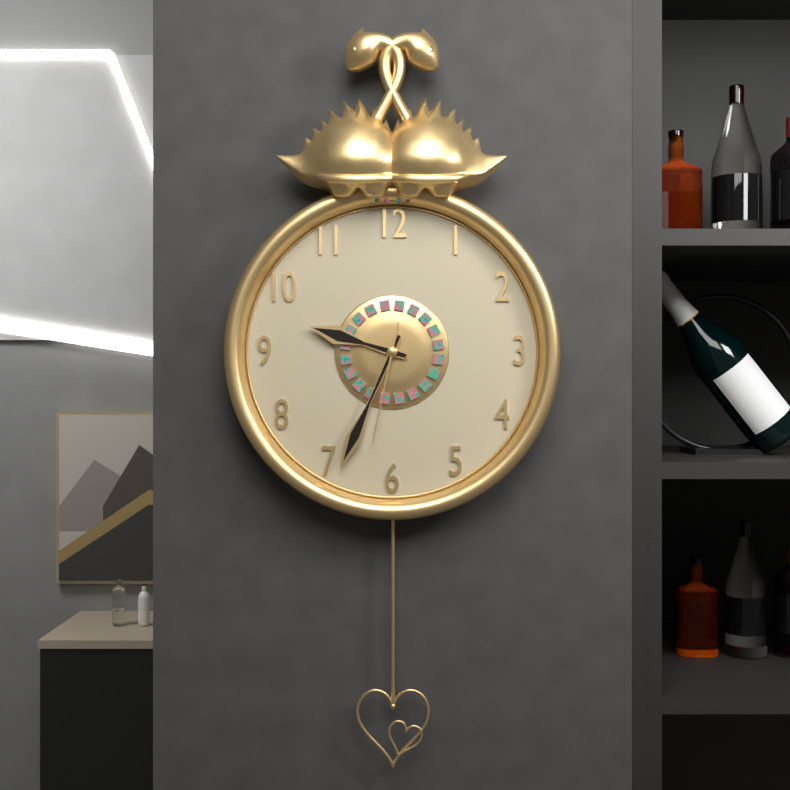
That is 9:34:32
